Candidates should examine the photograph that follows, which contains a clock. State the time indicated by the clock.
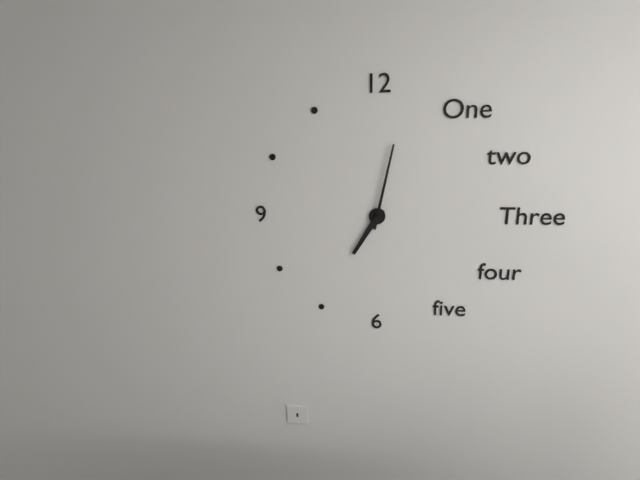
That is 7:02
